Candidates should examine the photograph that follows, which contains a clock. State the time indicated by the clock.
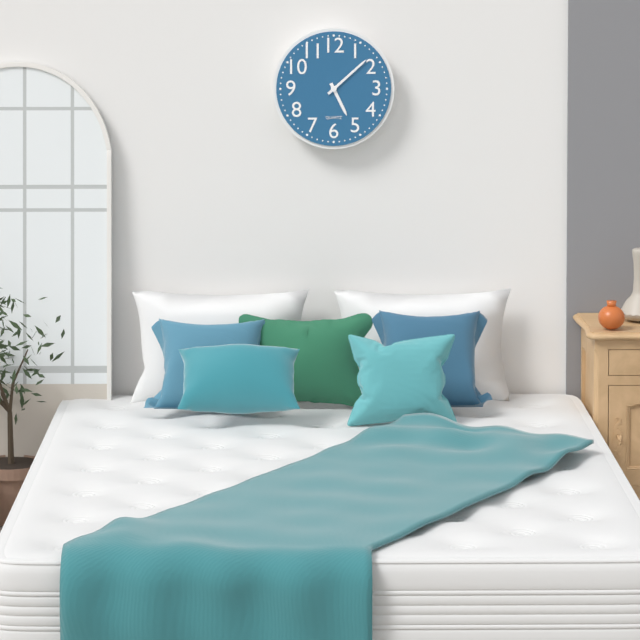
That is 5:08
